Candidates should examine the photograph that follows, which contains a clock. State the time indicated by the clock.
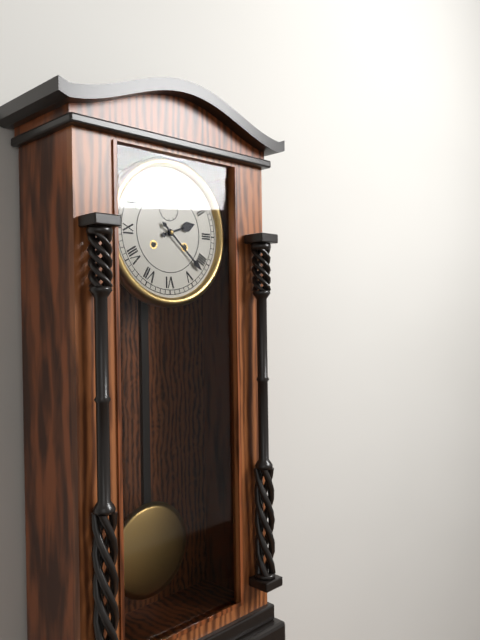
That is 2:22
